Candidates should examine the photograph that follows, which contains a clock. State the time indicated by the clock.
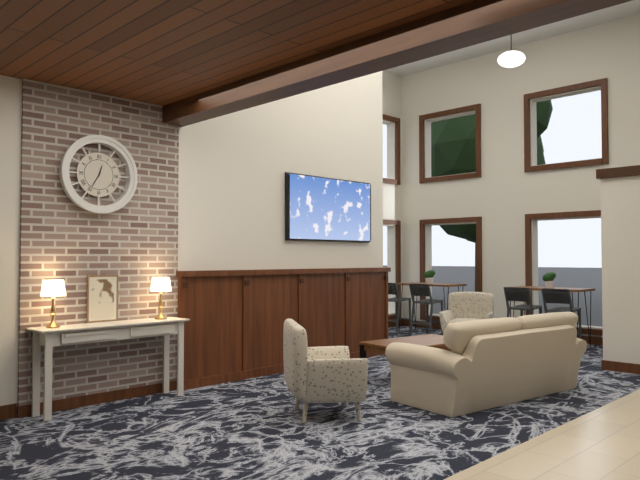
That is 12:35
